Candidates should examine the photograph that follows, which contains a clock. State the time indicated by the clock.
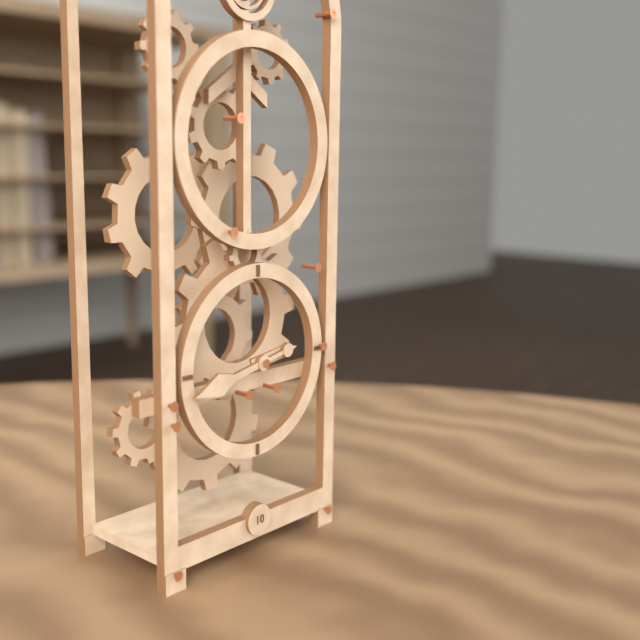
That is 2:43
